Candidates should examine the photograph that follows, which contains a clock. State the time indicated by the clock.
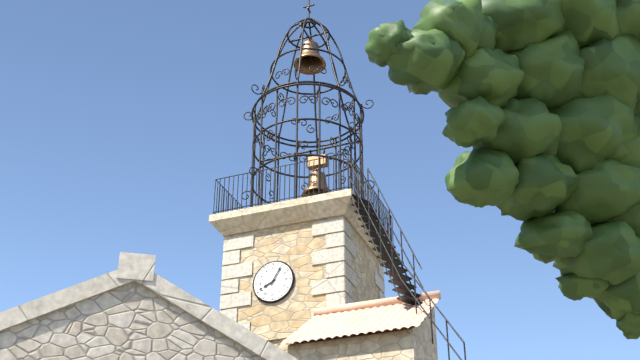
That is 8:05
